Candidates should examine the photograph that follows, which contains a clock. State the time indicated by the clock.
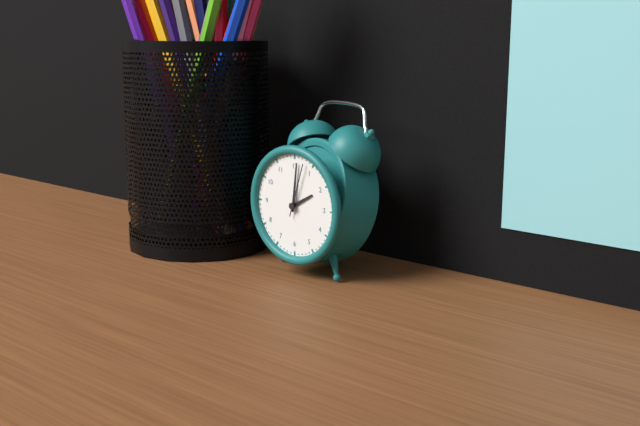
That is 2:01:03
